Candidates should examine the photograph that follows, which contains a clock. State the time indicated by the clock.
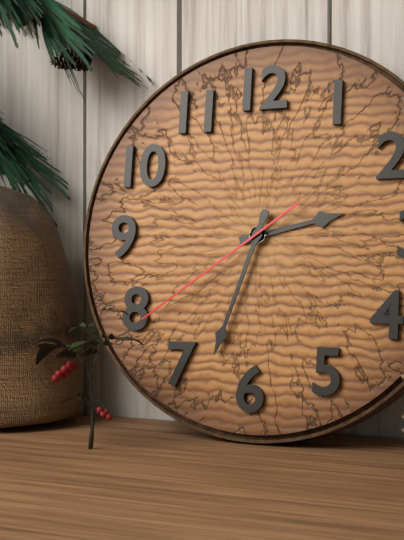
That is 2:33:39
